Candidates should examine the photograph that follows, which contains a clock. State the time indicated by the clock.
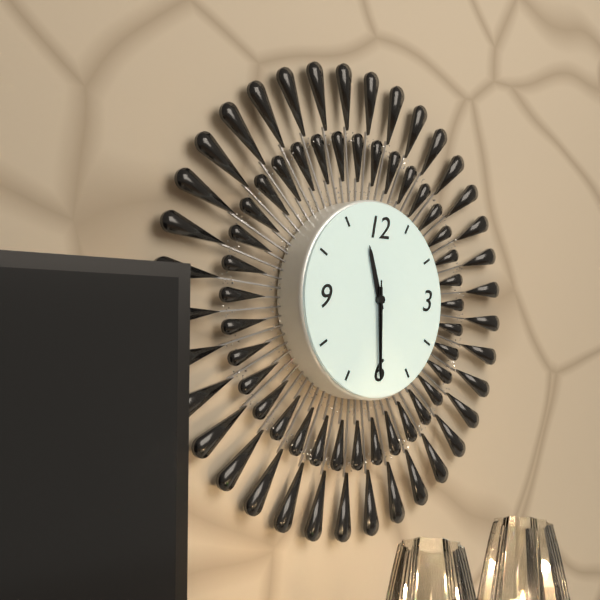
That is 11:30:30
